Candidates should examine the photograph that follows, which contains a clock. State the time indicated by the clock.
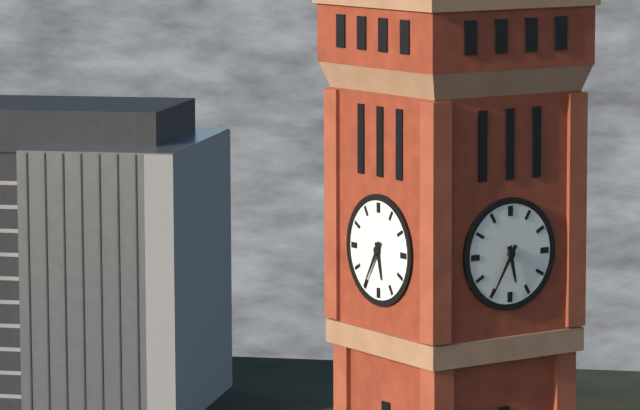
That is 5:35
